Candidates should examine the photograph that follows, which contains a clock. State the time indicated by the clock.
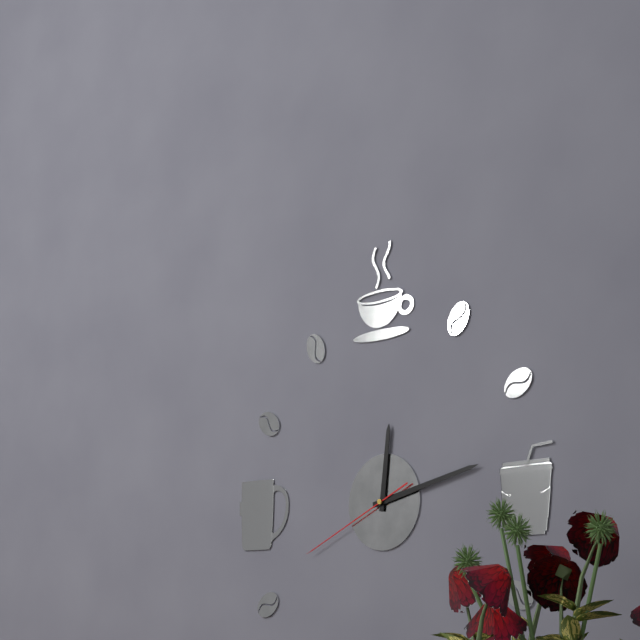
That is 12:13:41
